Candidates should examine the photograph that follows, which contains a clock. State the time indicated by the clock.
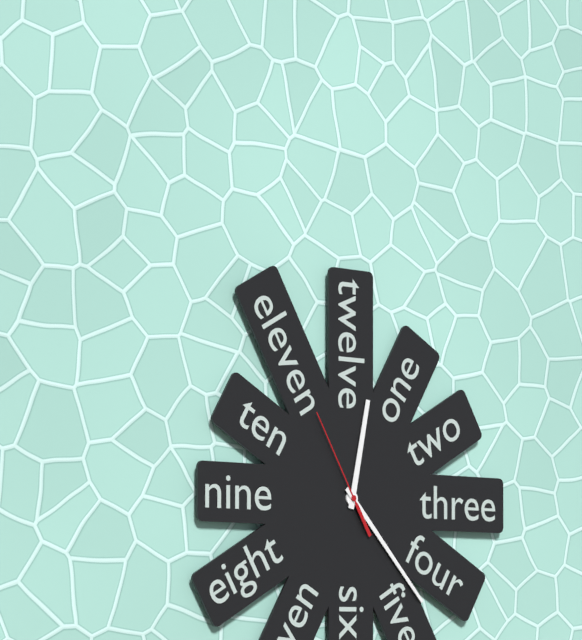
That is 12:23:55
